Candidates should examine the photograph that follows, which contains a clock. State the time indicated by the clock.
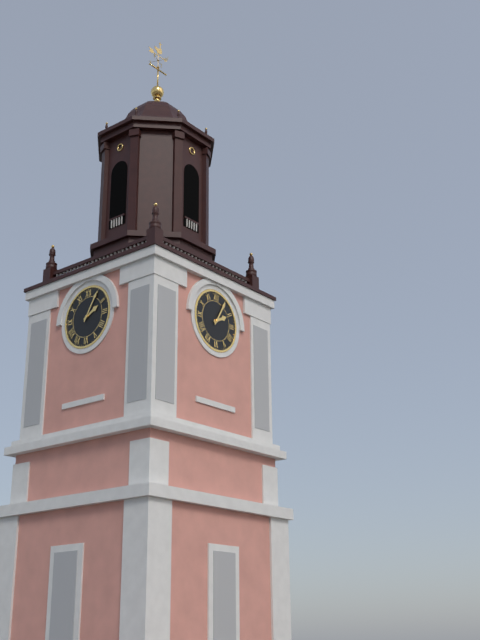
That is 2:05
